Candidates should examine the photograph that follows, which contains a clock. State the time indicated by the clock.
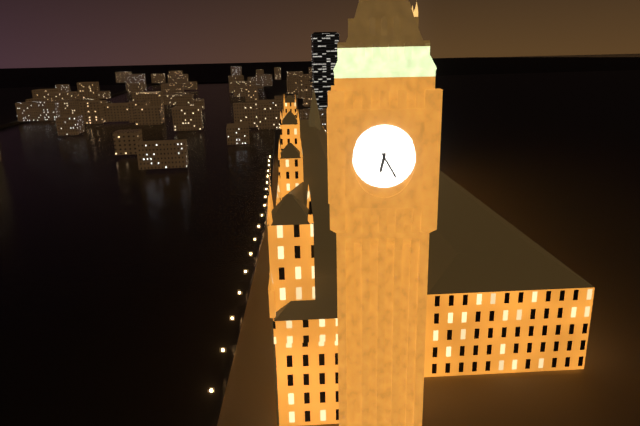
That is 6:25
